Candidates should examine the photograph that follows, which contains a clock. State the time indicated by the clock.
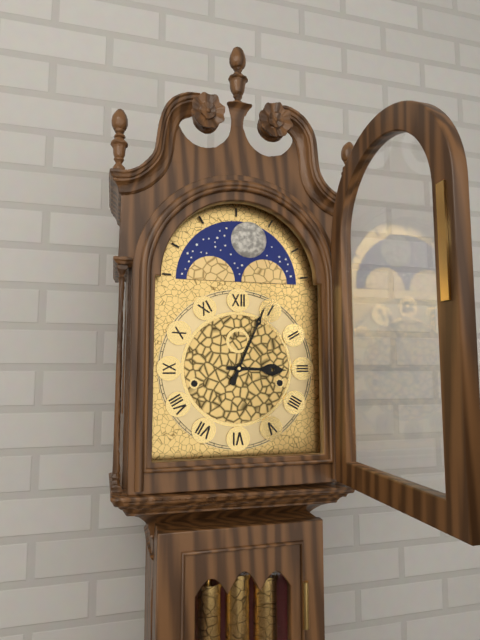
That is 3:04
